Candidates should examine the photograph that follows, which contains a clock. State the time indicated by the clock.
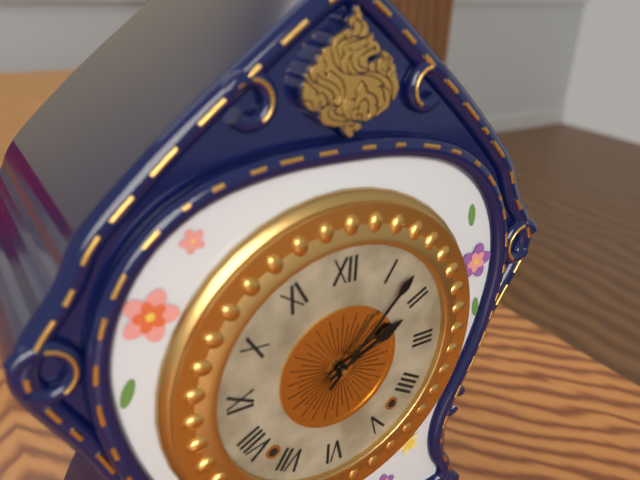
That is 2:07
